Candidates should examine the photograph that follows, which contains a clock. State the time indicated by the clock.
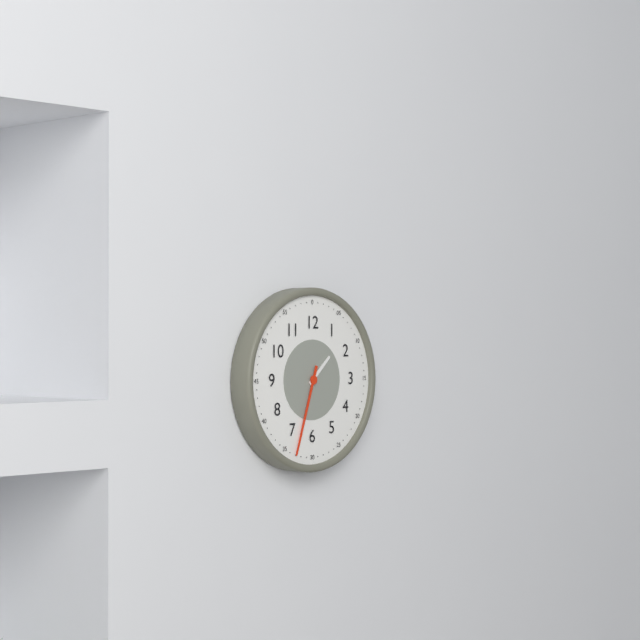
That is 1:33
